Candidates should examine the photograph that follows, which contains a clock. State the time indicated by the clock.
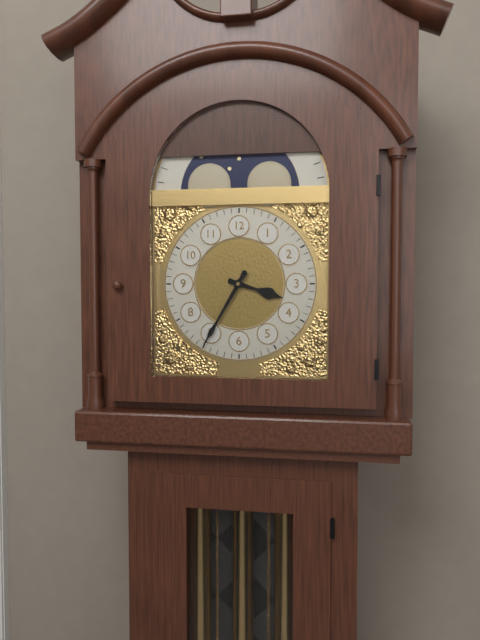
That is 3:35
